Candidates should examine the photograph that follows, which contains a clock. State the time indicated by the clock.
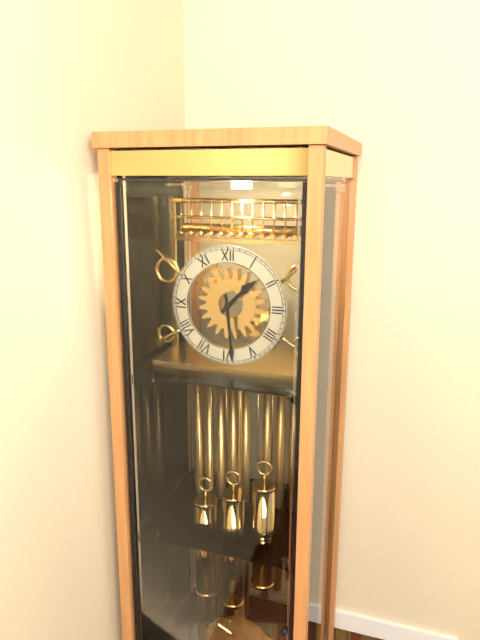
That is 1:29
